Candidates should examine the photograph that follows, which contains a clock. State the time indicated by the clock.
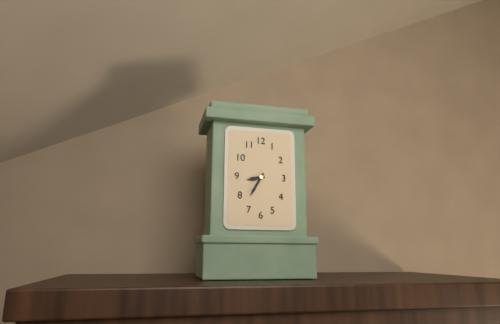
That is 8:35
